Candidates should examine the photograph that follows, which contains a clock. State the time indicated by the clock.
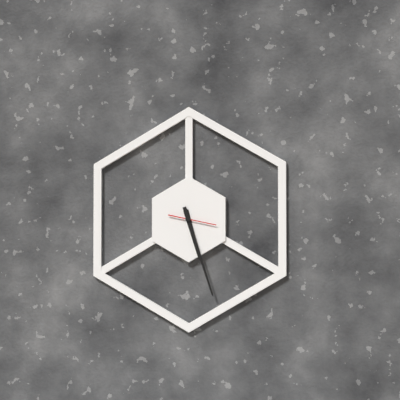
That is 5:27
